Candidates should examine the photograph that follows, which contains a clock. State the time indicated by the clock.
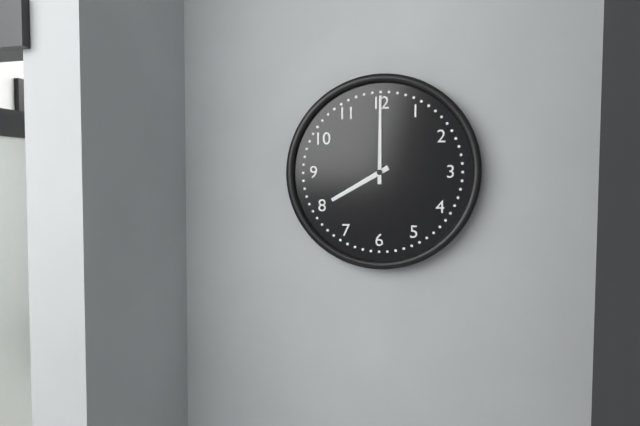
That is 8:00
